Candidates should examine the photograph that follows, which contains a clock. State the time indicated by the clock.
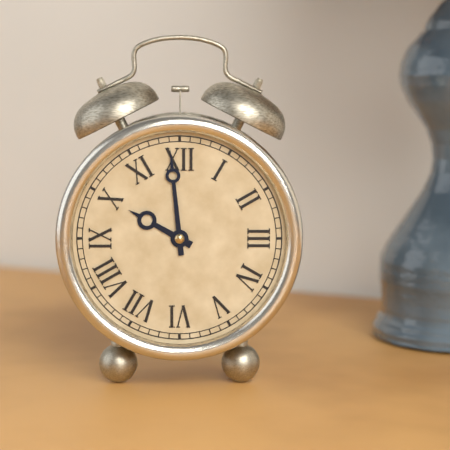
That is 9:59
